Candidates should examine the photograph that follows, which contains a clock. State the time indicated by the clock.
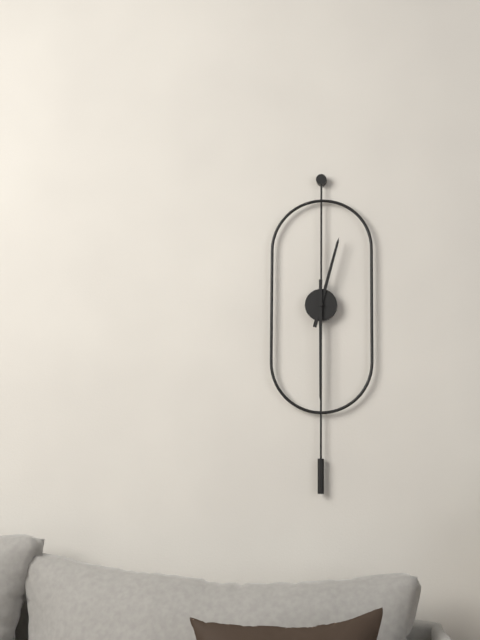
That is 12:30
